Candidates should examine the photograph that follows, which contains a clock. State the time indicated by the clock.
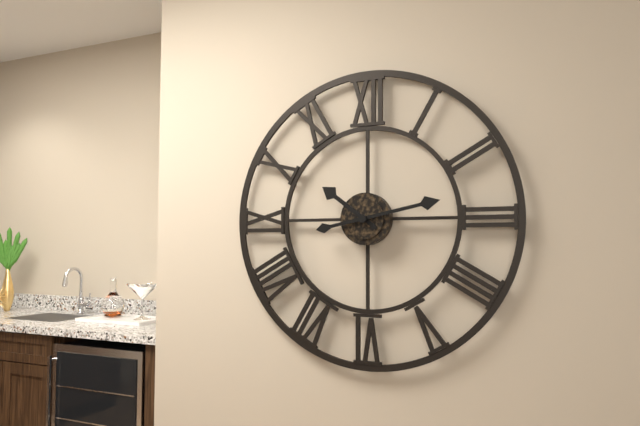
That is 10:13
